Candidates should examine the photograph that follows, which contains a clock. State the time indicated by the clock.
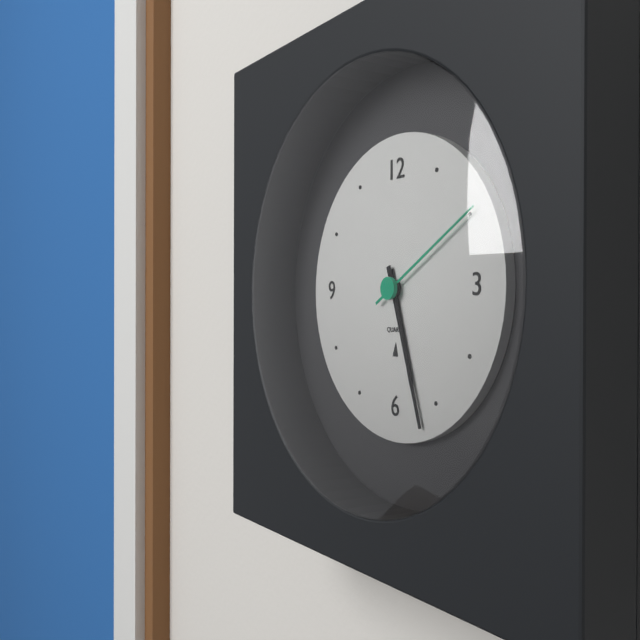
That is 5:27:10
